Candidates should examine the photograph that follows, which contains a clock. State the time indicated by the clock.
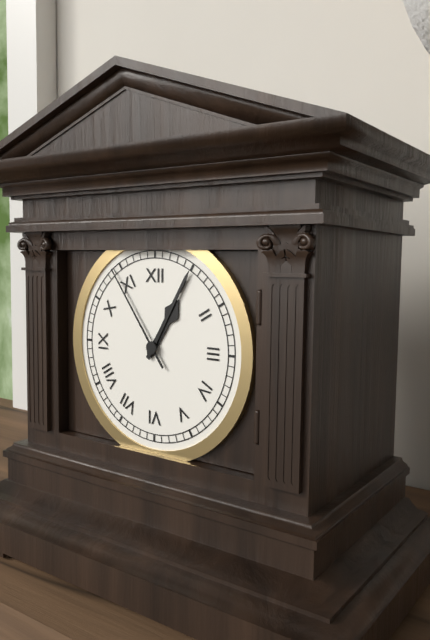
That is 1:05:54
